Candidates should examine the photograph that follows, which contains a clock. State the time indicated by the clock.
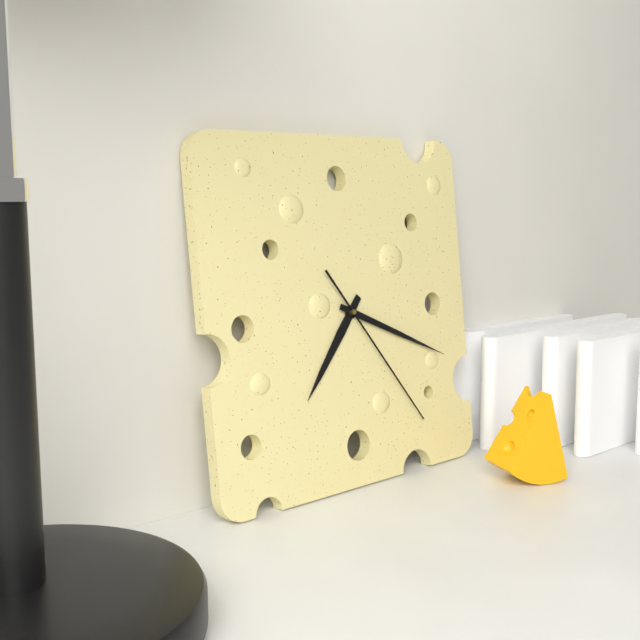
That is 7:19:24
